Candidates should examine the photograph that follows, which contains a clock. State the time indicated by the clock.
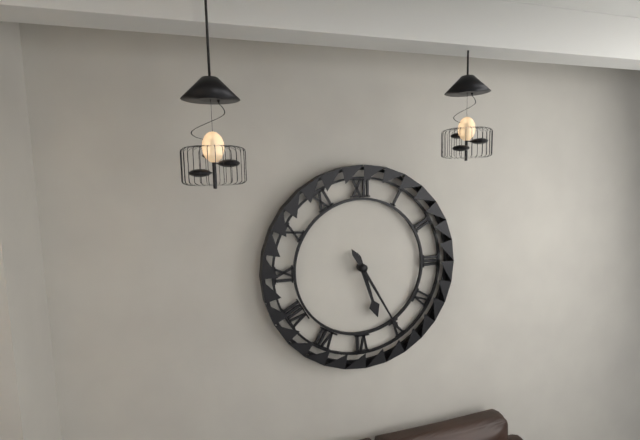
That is 5:25
